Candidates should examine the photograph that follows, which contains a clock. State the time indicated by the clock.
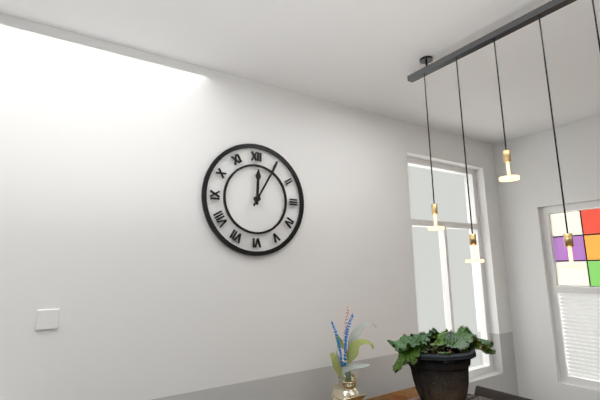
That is 12:05
